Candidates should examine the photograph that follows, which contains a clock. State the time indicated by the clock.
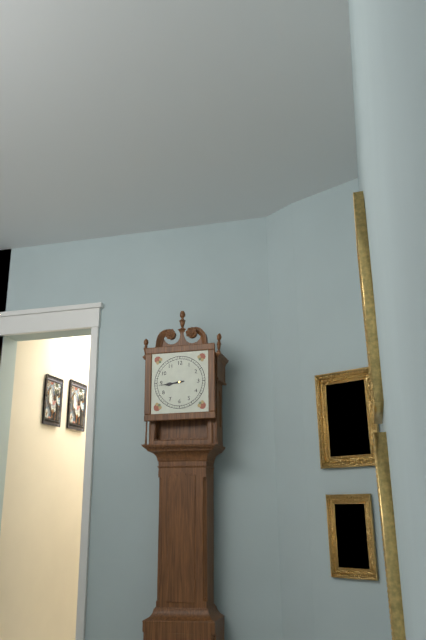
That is 8:44
